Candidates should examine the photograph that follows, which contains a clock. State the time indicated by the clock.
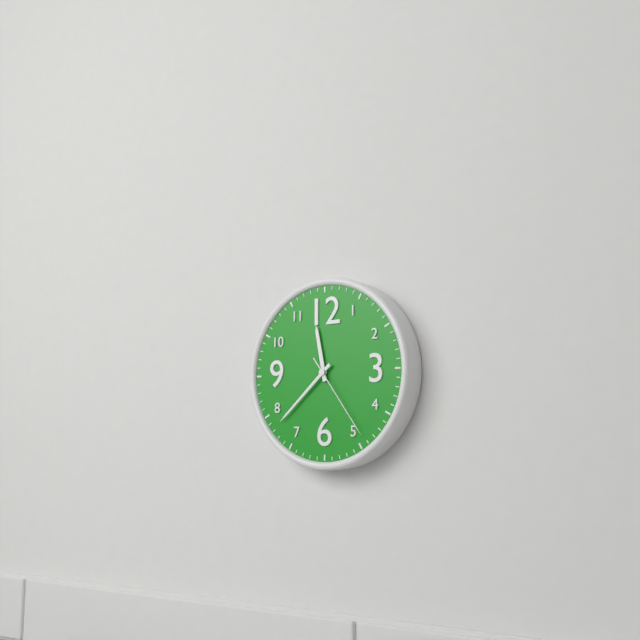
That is 11:38:24
